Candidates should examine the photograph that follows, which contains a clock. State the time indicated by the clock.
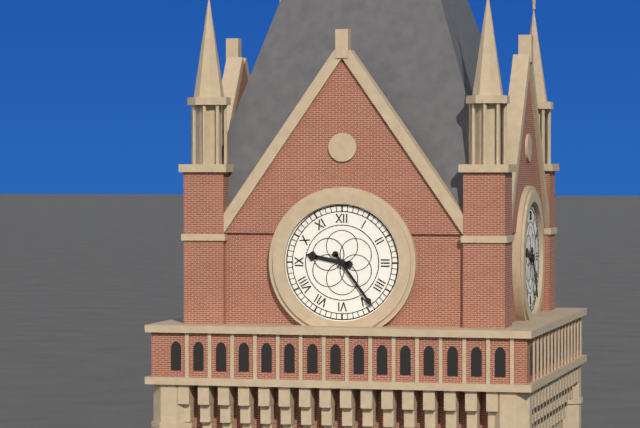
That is 9:24
